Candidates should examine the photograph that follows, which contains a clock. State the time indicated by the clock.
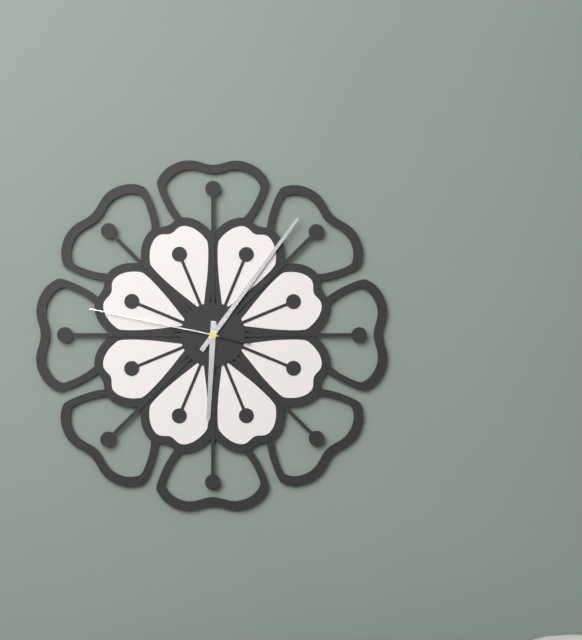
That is 6:06:47
